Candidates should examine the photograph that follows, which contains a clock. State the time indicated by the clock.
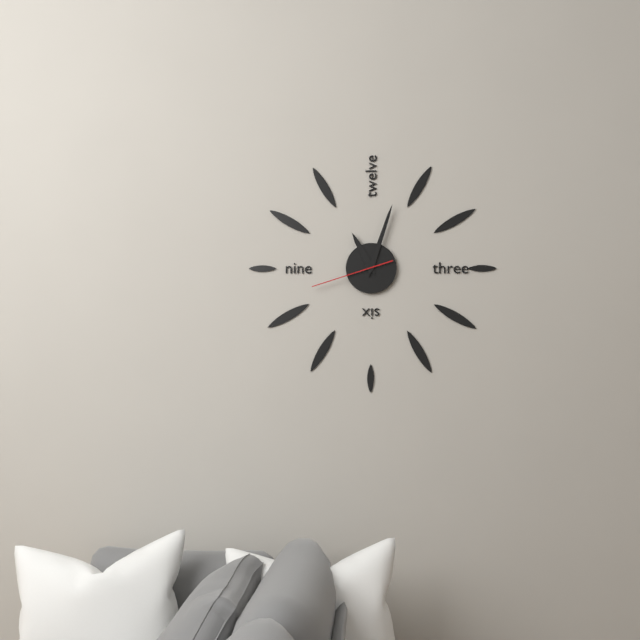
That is 11:03:42
